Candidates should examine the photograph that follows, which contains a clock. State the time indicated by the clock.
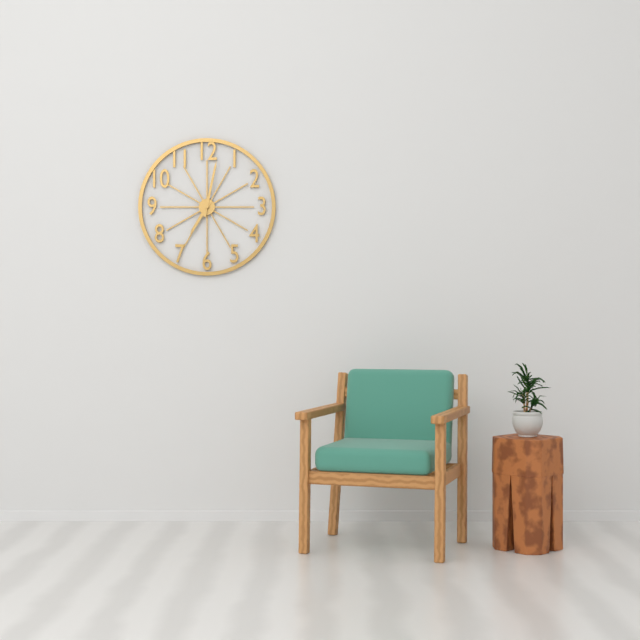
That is 7:02
